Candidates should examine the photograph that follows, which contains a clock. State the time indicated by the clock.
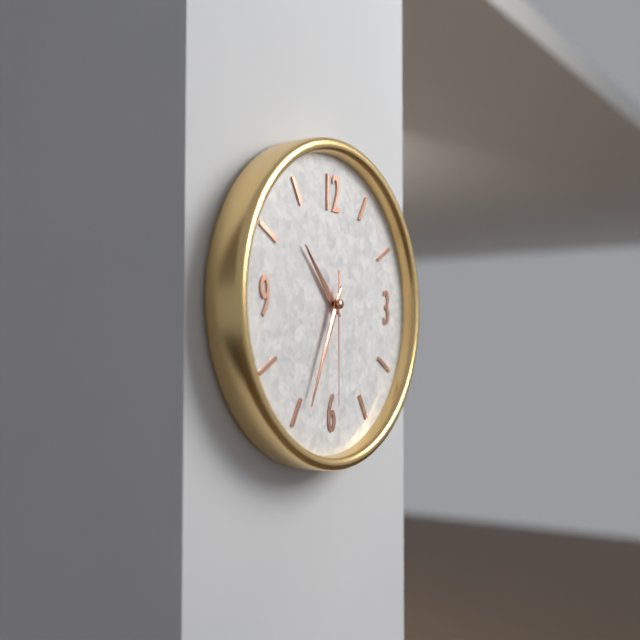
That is 10:34:30
